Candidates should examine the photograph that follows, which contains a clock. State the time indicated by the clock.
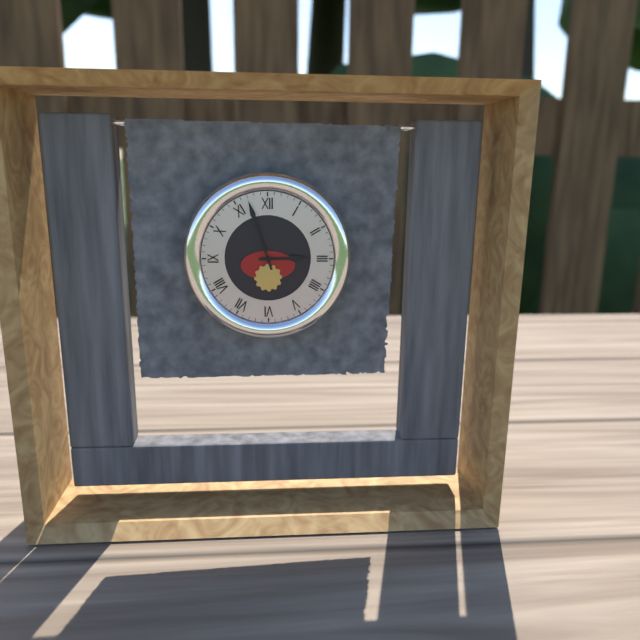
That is 2:57
